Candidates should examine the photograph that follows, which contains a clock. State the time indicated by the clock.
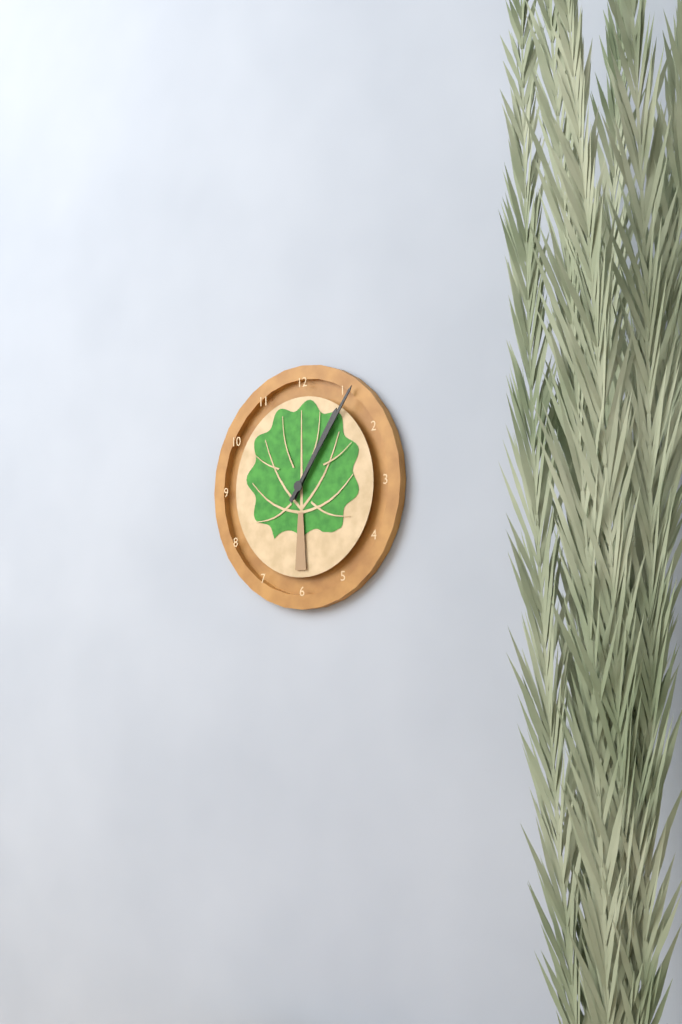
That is 1:06
